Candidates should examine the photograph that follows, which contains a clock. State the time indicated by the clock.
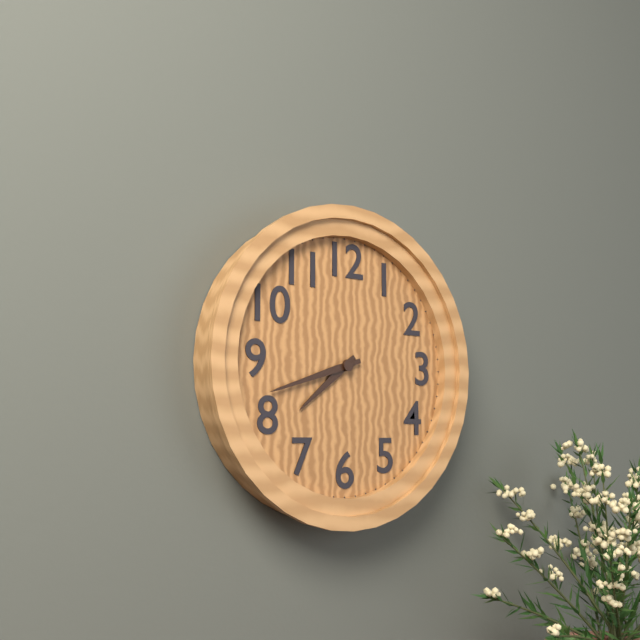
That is 7:42
